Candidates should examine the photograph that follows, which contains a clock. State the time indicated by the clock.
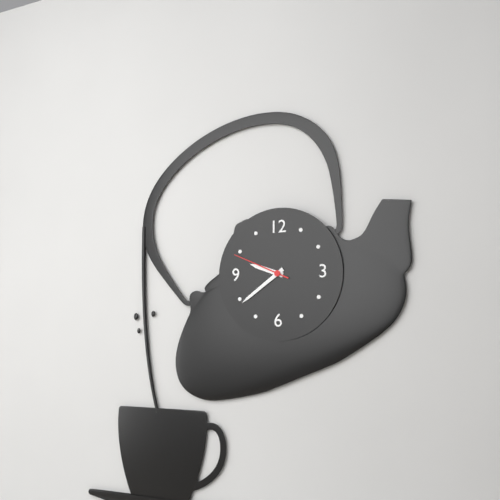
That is 9:39:49
